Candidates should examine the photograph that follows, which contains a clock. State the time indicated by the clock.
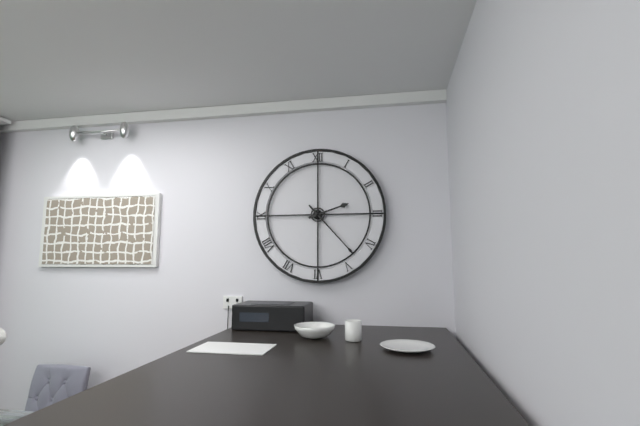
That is 2:23
